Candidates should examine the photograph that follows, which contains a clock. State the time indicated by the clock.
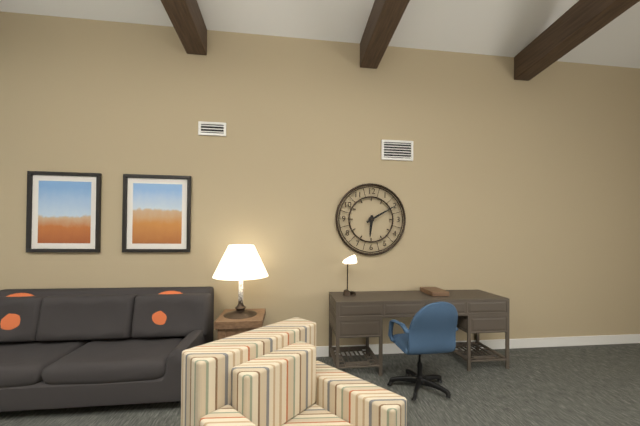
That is 6:10
